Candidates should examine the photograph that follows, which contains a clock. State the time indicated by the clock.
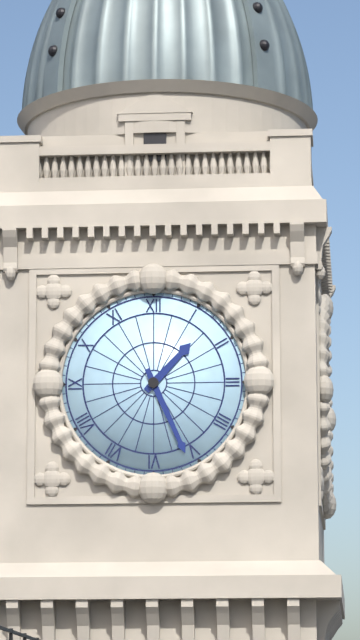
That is 1:26
